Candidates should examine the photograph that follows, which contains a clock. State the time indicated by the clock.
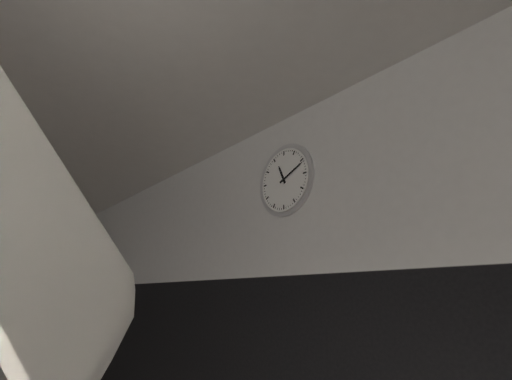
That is 11:11
